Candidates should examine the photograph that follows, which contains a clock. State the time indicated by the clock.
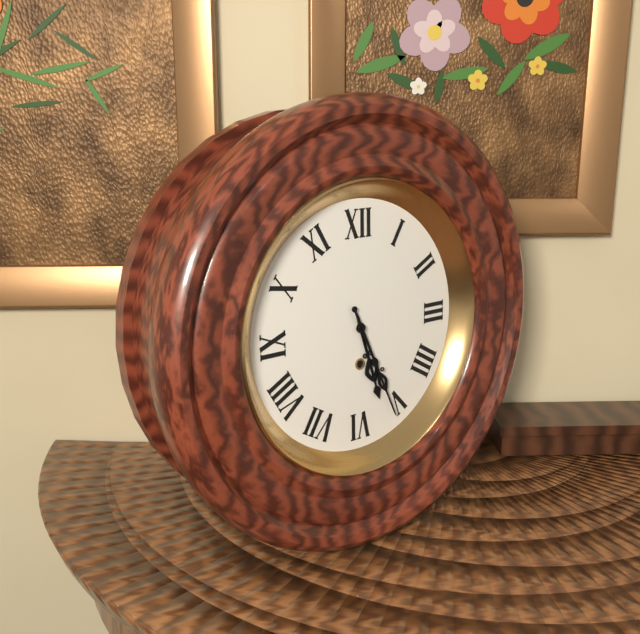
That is 5:26
